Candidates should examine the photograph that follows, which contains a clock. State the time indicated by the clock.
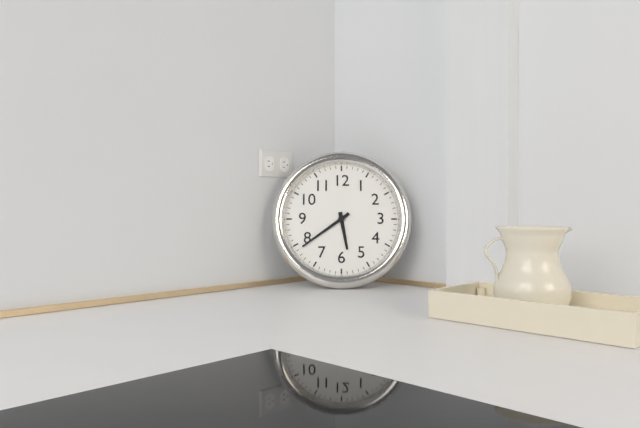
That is 5:39
